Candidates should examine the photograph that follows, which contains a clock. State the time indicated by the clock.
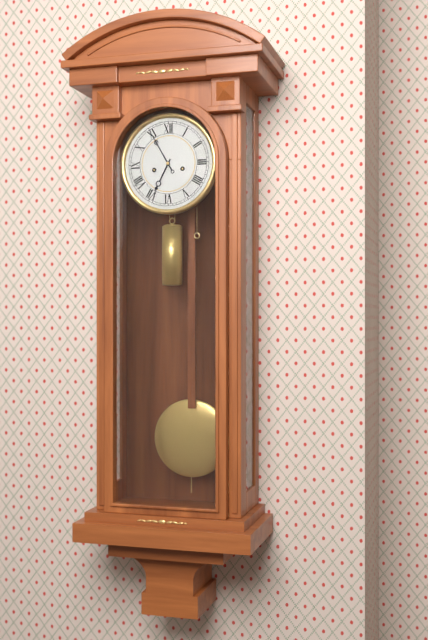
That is 6:55
